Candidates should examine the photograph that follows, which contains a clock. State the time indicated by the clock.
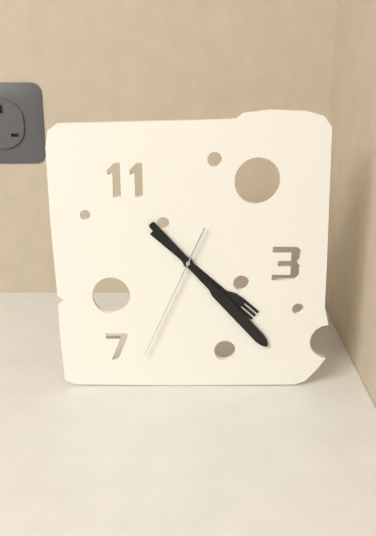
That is 4:23:34
